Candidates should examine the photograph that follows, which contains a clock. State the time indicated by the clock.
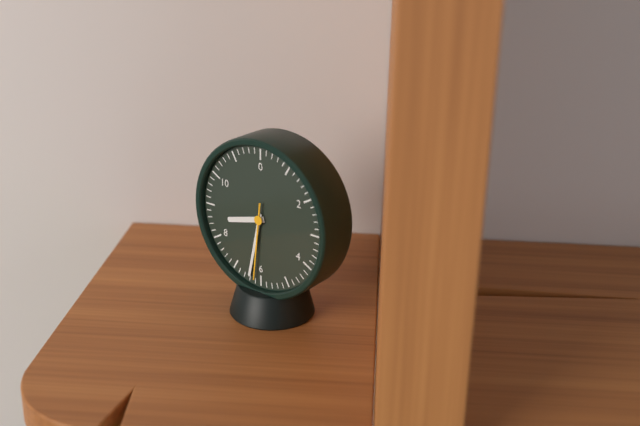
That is 8:32:31
